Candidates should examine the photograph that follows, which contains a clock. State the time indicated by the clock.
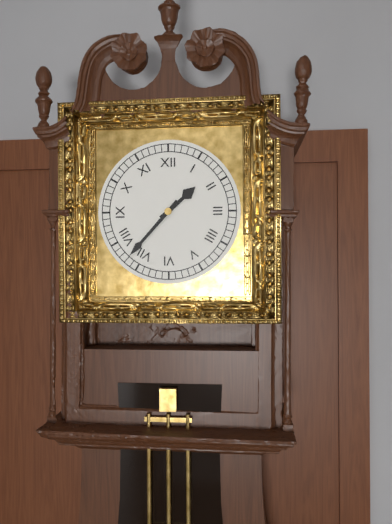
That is 1:37
